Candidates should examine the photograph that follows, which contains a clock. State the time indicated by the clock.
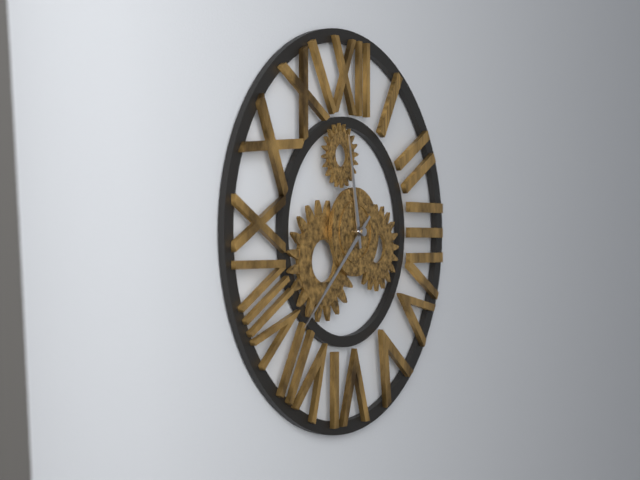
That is 11:38
